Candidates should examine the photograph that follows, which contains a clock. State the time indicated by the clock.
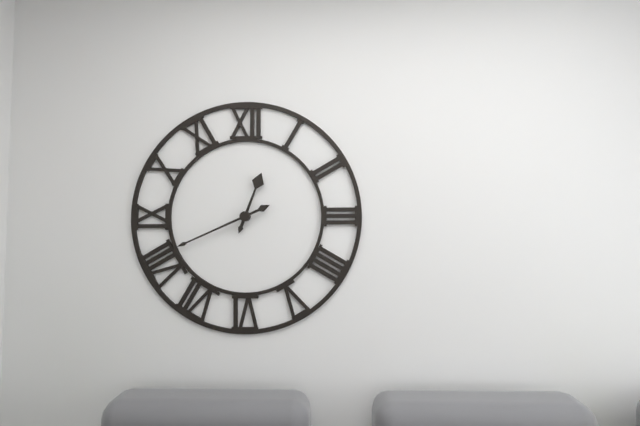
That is 12:41
